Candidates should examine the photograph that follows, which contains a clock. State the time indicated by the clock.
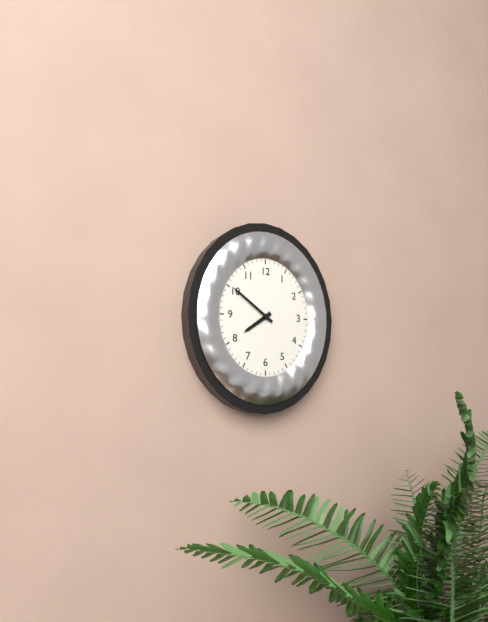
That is 7:51
